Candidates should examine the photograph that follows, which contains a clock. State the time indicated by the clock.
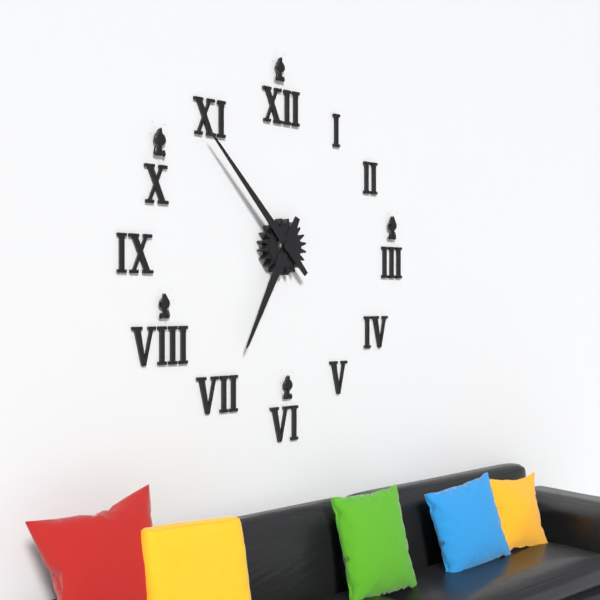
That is 6:53
